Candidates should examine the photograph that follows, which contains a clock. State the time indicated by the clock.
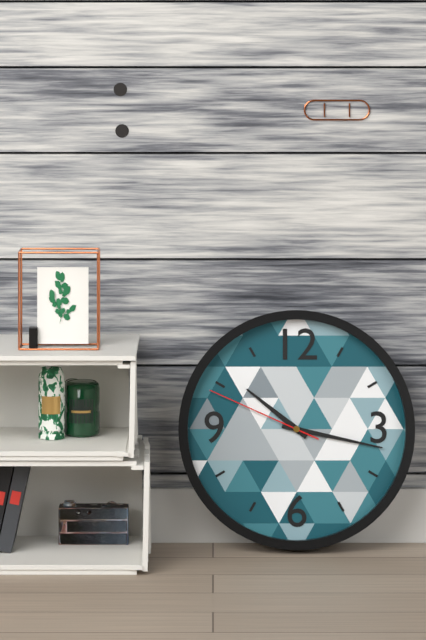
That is 10:17:49
